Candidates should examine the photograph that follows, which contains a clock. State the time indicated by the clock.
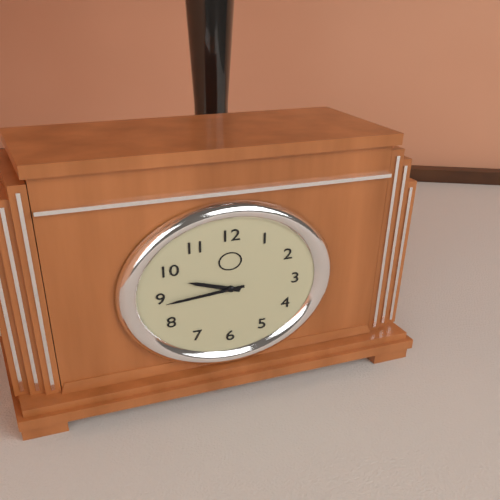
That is 9:44
